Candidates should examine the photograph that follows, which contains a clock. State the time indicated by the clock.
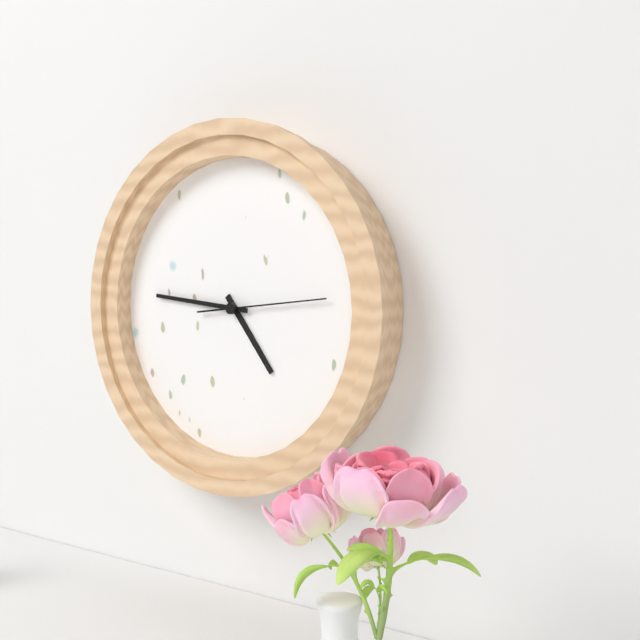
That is 4:46:14
